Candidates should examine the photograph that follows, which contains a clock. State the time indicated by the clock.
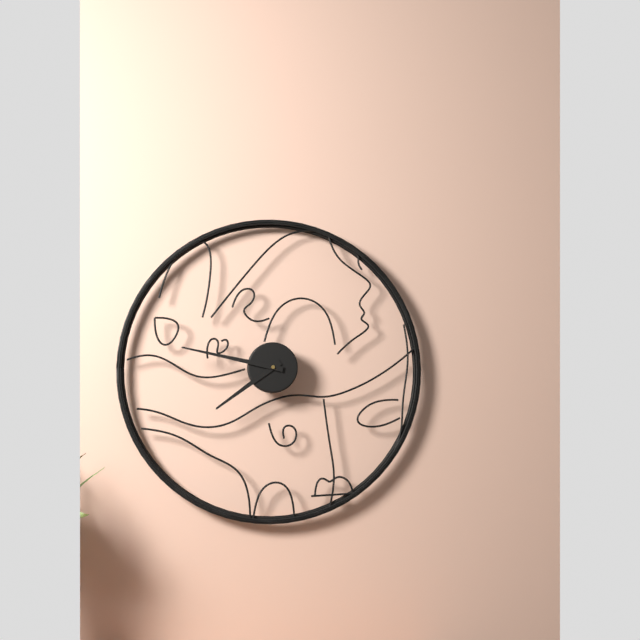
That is 7:47
